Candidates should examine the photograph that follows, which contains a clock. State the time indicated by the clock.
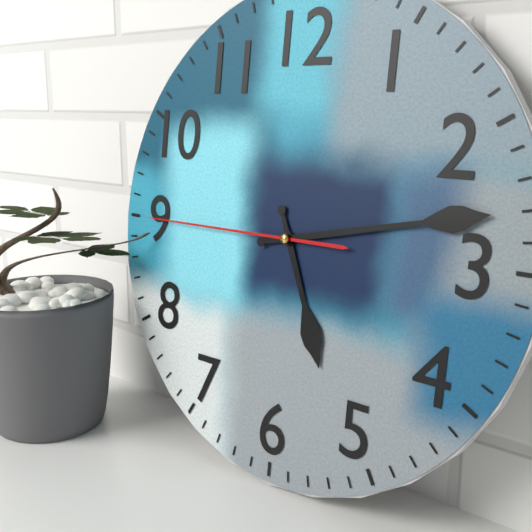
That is 5:13:45
